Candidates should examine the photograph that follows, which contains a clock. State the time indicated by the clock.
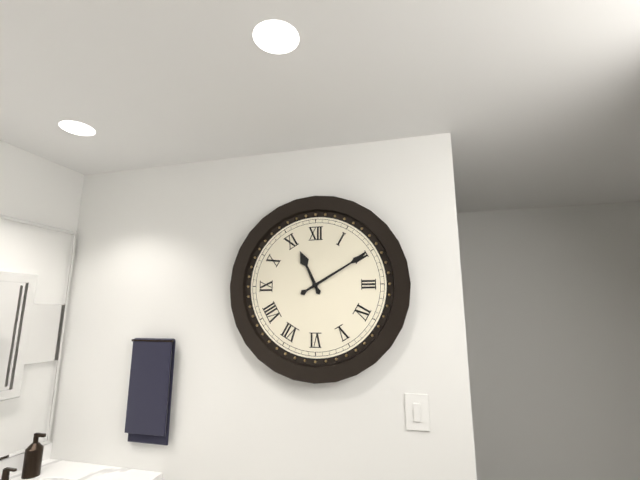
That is 11:10
